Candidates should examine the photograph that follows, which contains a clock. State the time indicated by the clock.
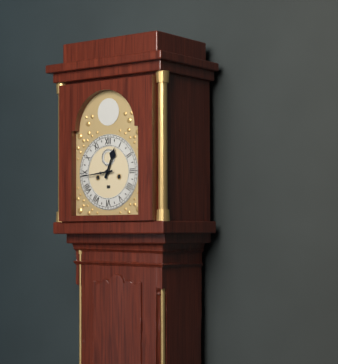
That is 12:44
